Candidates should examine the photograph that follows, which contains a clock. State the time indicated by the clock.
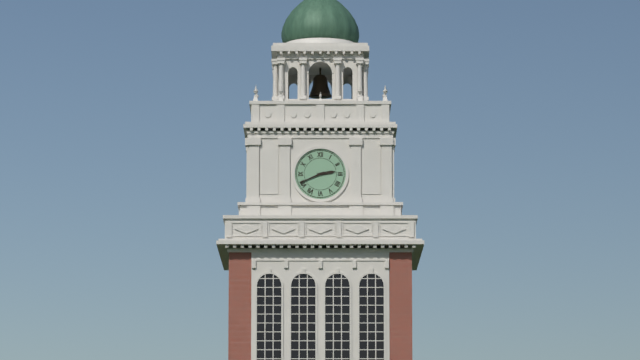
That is 2:41
